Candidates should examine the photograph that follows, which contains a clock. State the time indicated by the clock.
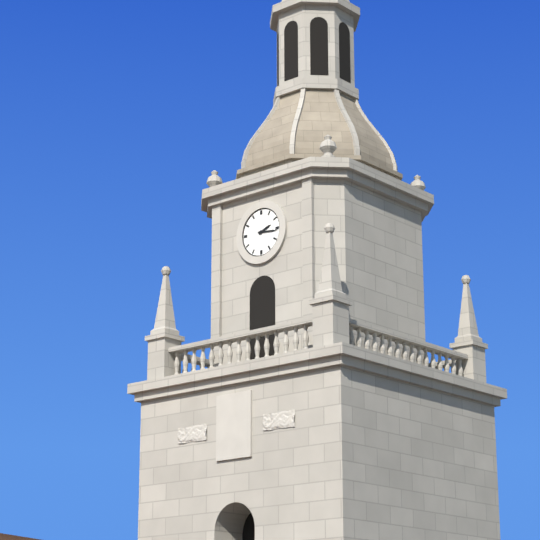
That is 2:16
